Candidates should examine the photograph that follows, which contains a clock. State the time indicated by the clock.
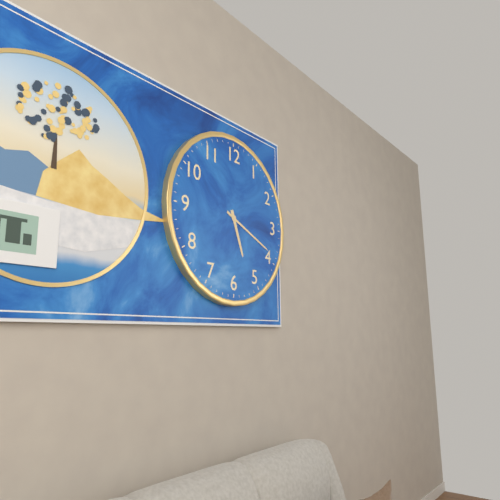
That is 5:19
